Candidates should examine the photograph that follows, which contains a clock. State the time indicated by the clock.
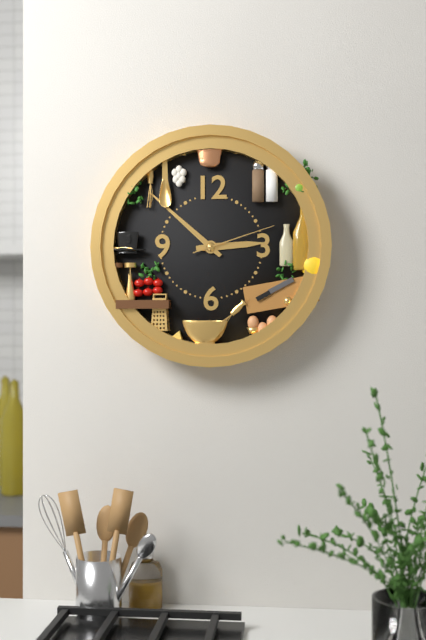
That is 2:52:12
